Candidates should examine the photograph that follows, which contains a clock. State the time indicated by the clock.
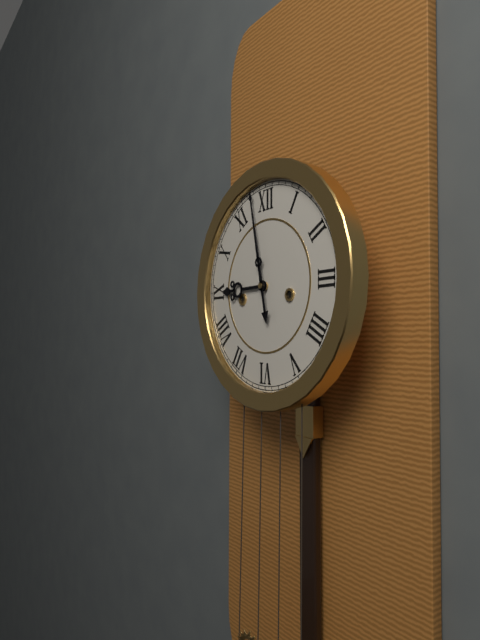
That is 8:58
